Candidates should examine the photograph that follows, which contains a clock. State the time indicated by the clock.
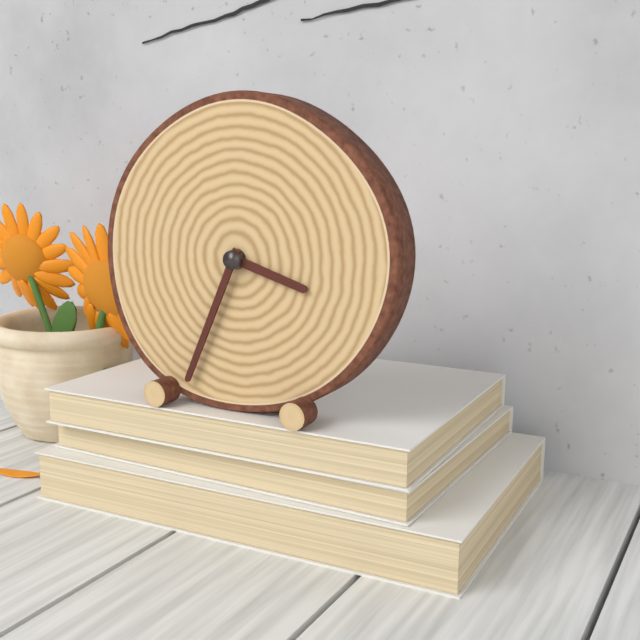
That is 3:34
